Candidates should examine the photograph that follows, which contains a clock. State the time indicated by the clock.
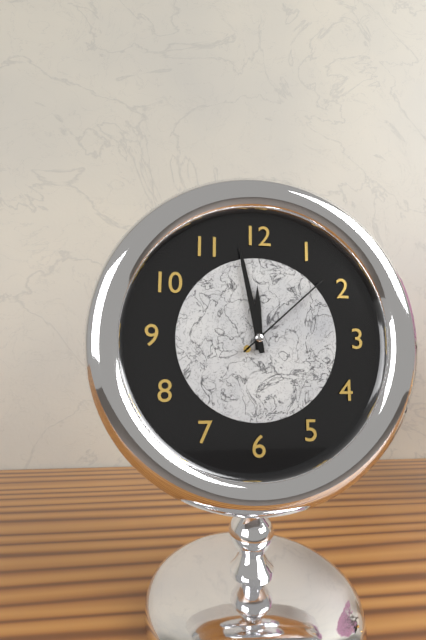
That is 11:58:08
